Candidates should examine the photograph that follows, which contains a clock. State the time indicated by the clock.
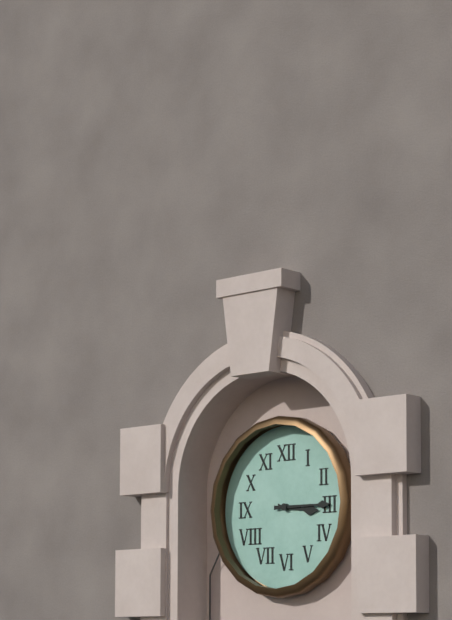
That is 3:15
